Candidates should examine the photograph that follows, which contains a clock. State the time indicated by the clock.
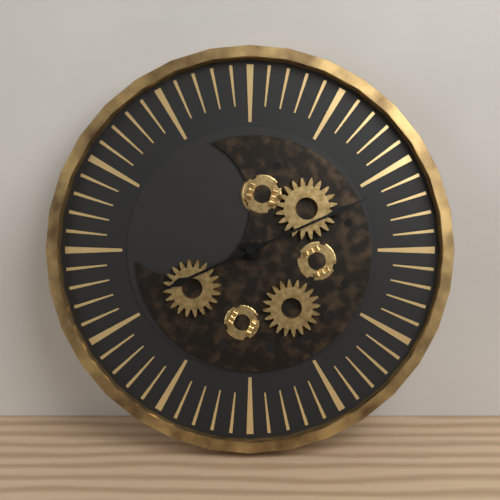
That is 8:11
